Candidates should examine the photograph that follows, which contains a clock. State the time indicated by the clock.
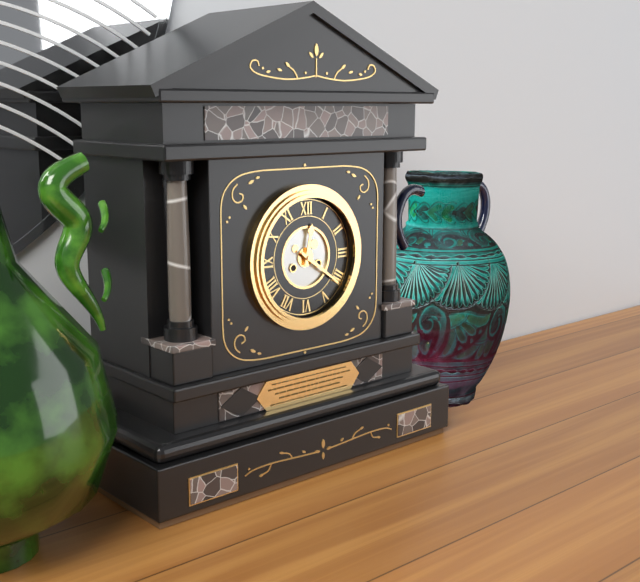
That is 12:21
